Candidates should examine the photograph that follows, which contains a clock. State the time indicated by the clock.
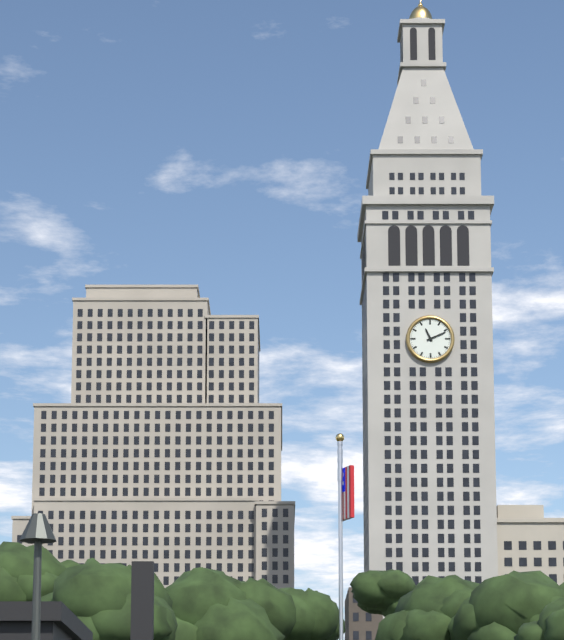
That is 11:11
